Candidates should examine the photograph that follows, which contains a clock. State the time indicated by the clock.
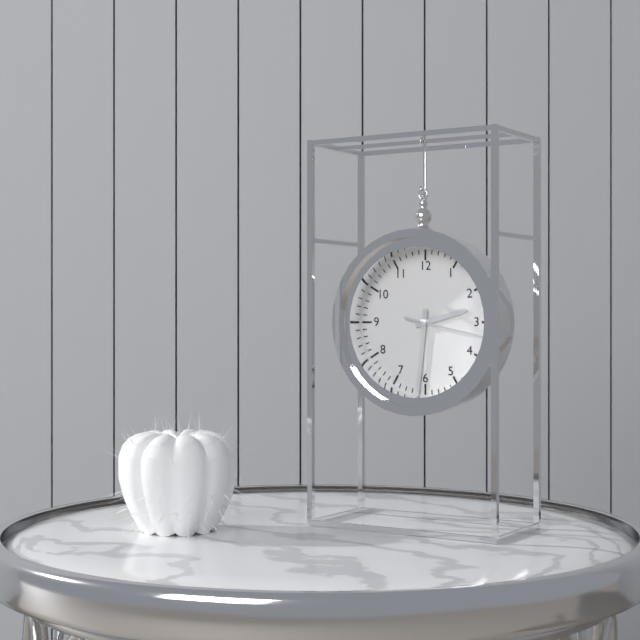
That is 2:31:17
